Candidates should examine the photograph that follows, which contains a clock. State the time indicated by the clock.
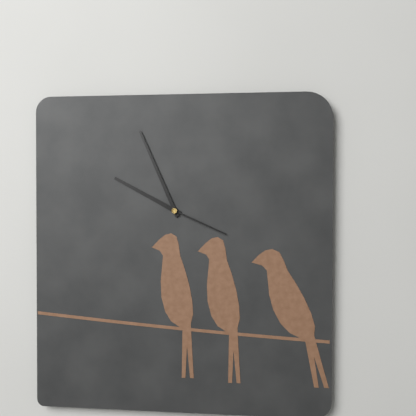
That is 9:56:19
